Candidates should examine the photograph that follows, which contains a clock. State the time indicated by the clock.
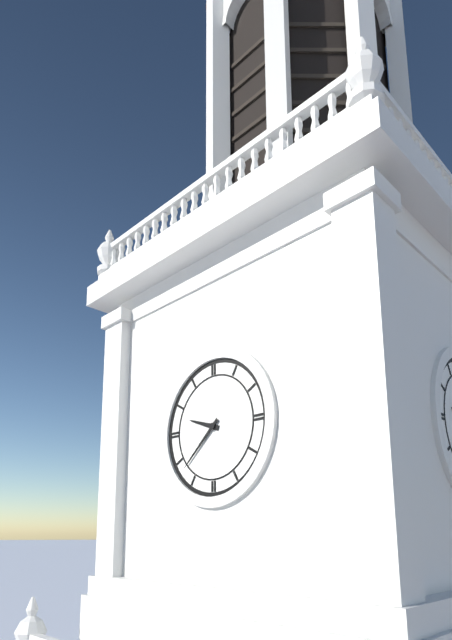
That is 9:38
